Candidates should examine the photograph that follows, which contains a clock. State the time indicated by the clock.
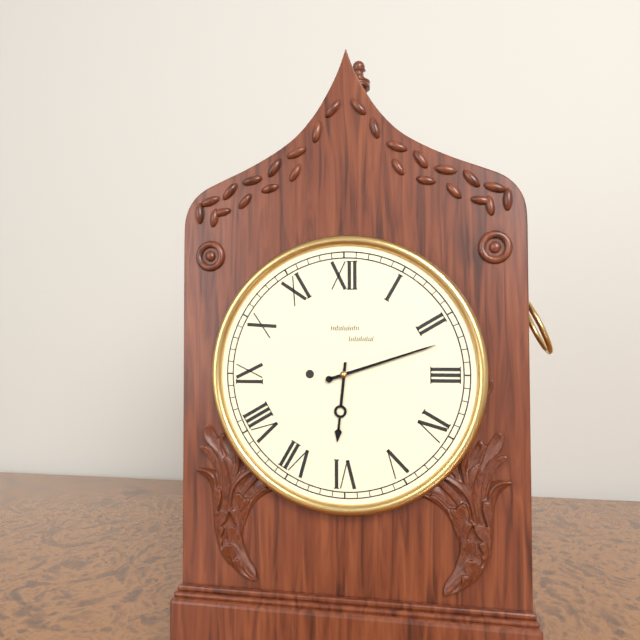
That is 6:12
